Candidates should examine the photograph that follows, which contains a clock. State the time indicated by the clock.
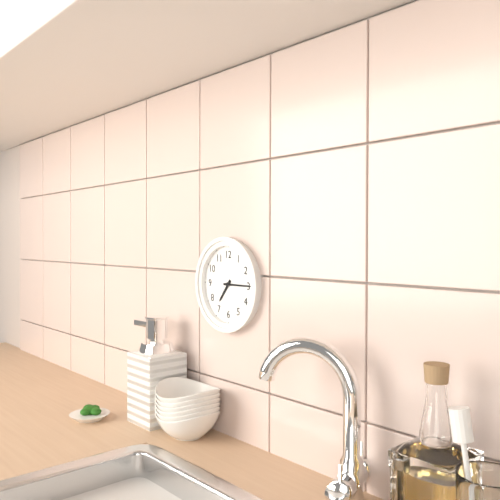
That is 7:15
